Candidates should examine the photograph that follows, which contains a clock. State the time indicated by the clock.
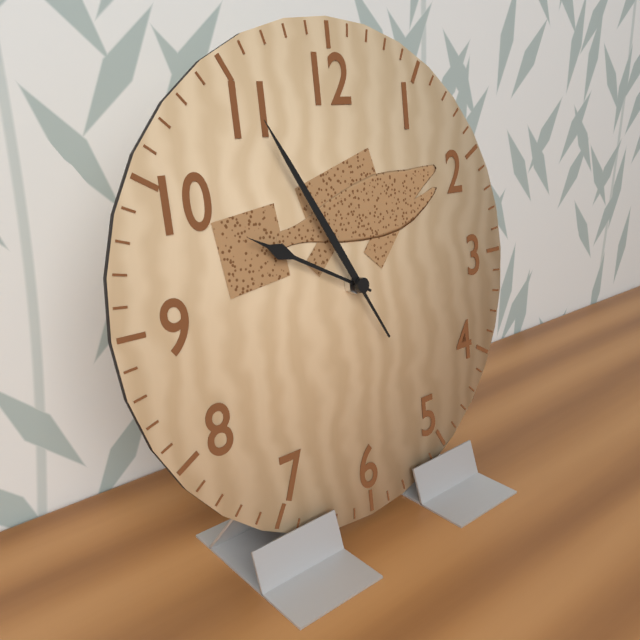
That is 9:55
